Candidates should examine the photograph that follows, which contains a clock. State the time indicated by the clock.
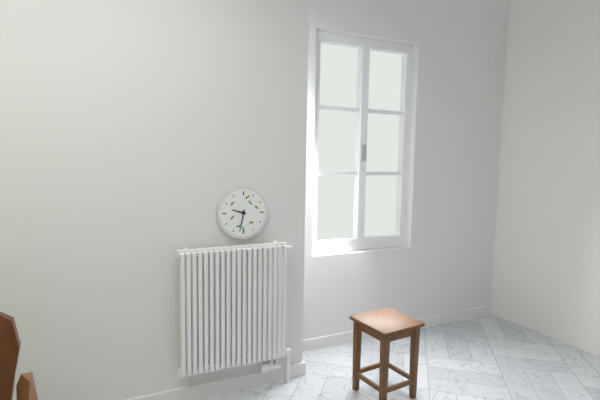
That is 9:32
